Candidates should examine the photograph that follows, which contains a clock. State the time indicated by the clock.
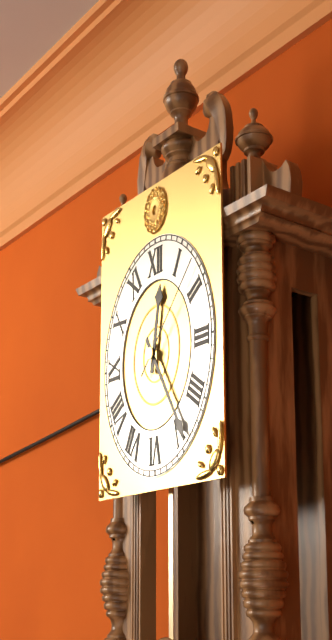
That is 12:24:08
